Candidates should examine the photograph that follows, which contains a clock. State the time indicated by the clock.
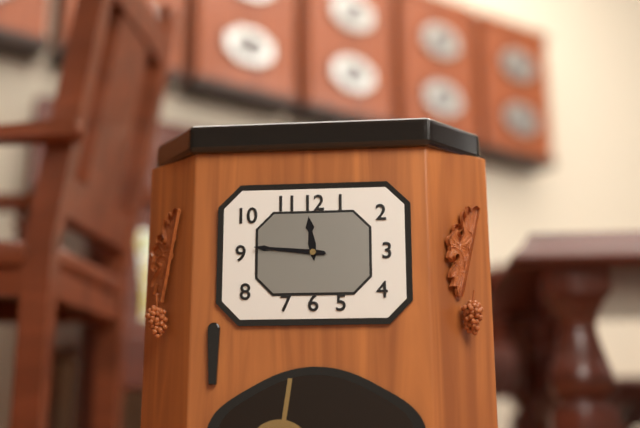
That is 11:46
